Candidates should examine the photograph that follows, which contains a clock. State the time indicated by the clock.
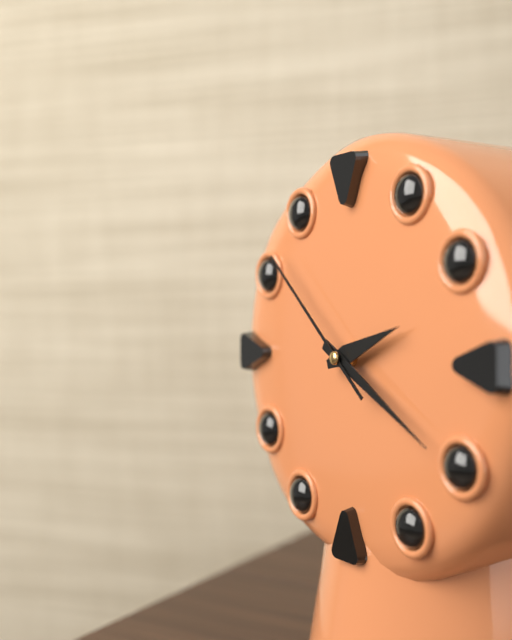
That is 2:20:52
